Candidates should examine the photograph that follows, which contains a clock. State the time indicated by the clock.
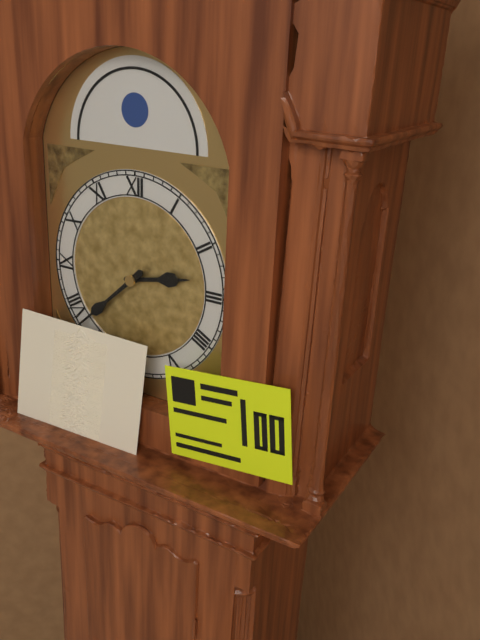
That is 2:38
